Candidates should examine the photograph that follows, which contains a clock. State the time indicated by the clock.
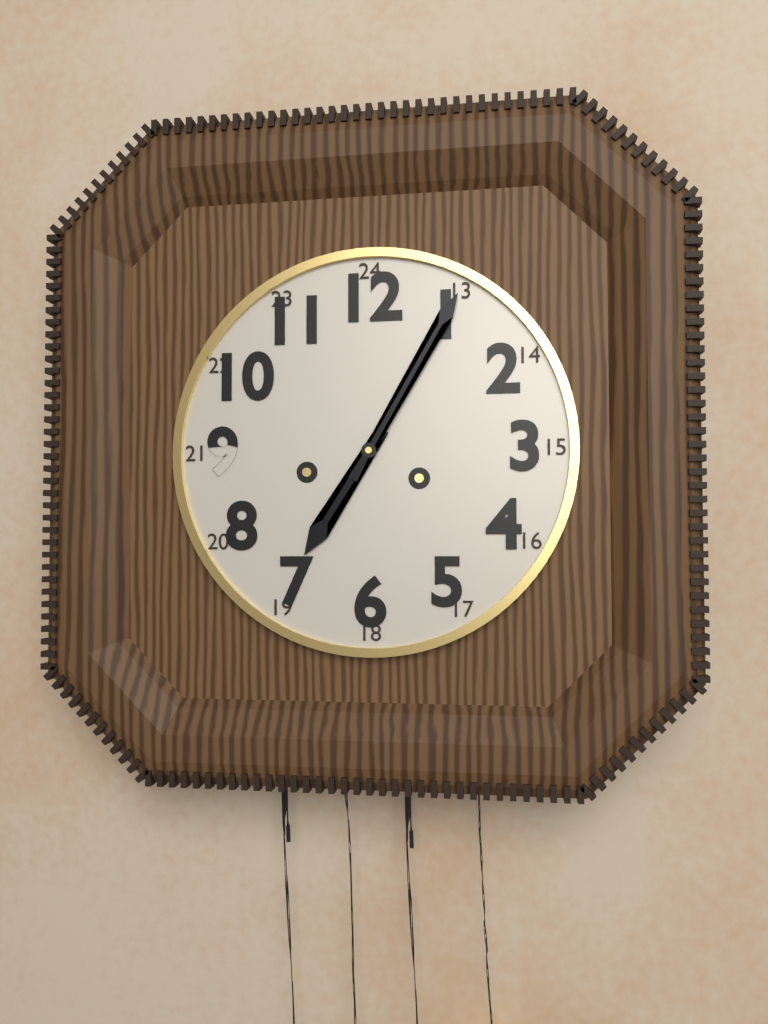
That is 7:05
